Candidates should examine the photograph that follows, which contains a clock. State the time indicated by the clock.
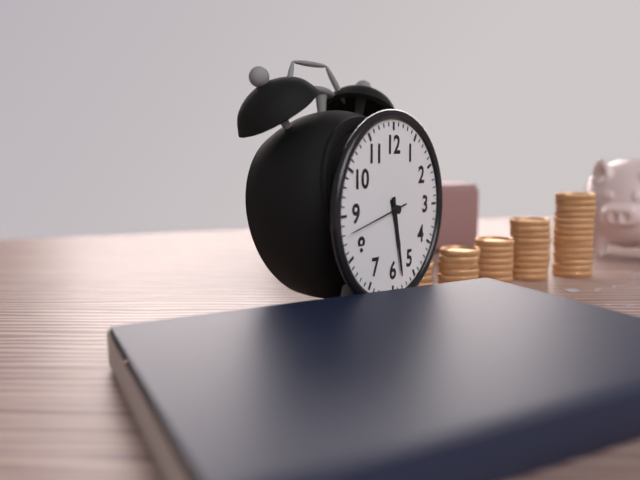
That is 5:28:43
